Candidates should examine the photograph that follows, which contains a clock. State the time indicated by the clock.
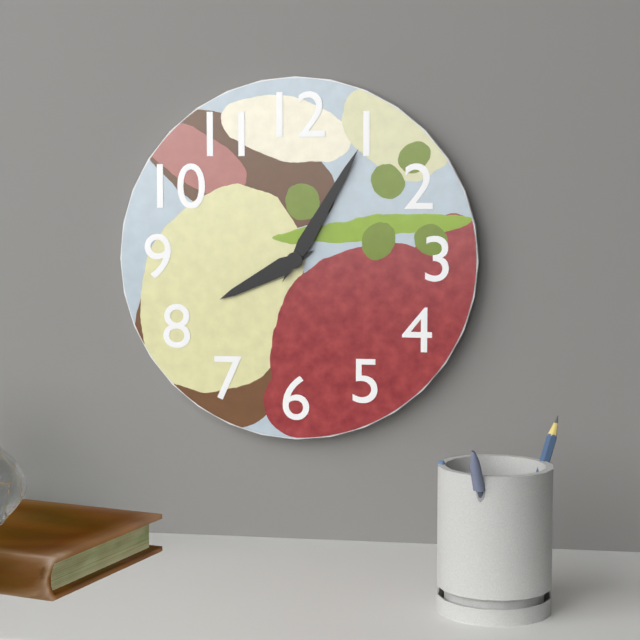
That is 8:05
